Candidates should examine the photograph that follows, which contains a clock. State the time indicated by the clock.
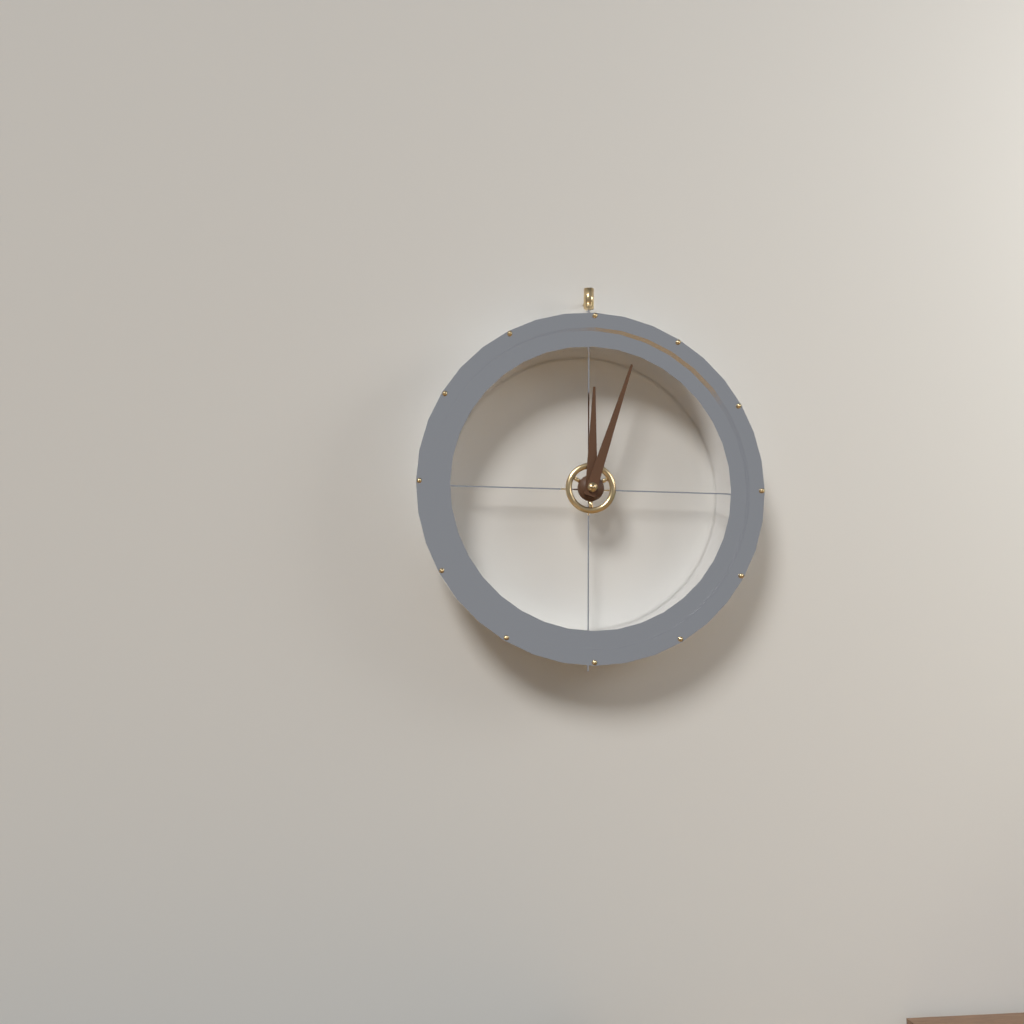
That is 12:03
